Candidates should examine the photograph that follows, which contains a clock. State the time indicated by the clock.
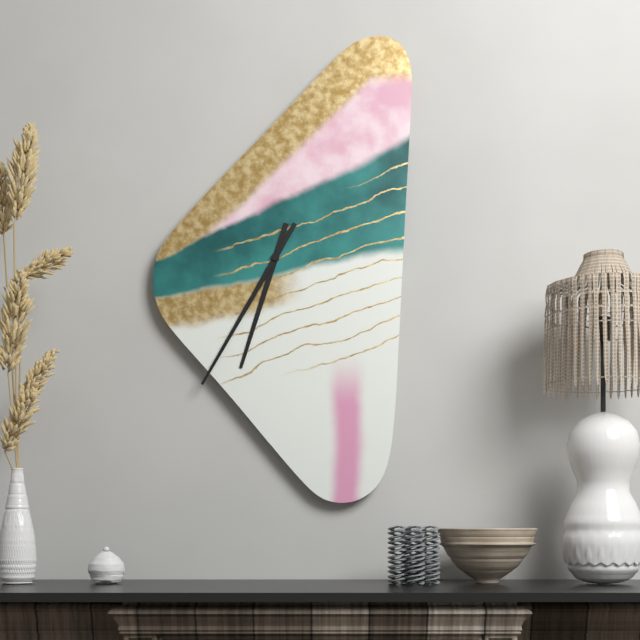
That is 6:35
